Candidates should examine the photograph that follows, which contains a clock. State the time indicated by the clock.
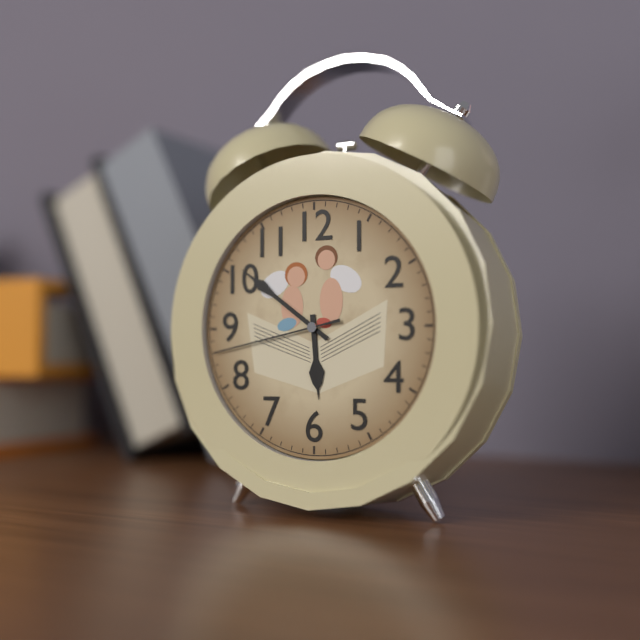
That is 5:51:43
